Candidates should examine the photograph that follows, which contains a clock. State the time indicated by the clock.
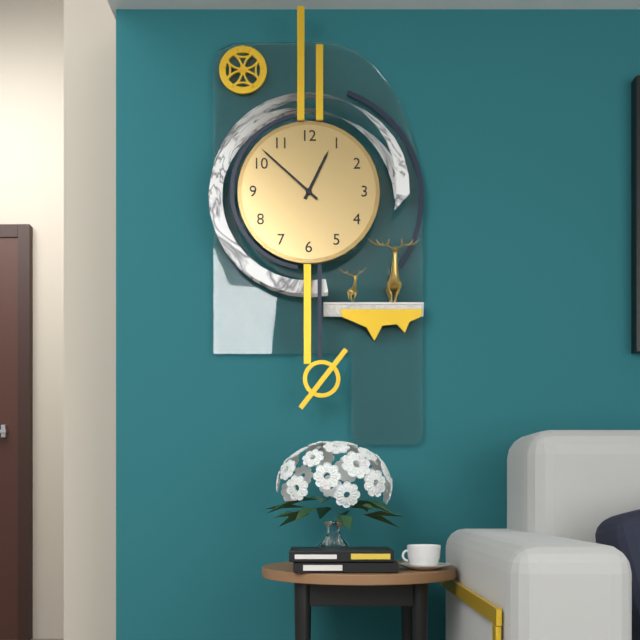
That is 12:52
